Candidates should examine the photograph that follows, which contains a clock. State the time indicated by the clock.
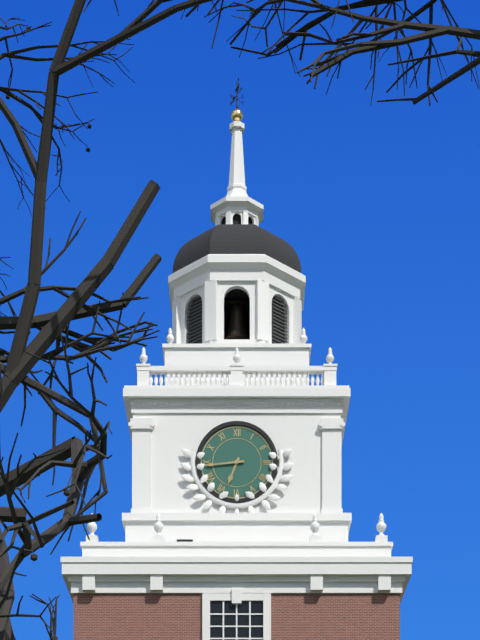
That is 6:44
